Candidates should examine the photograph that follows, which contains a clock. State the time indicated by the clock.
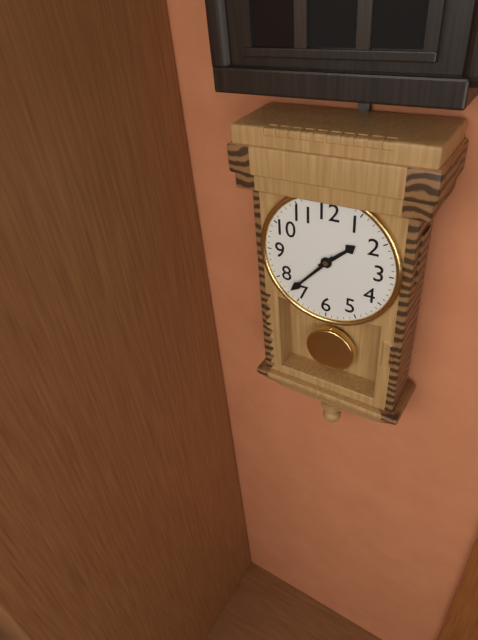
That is 1:37
